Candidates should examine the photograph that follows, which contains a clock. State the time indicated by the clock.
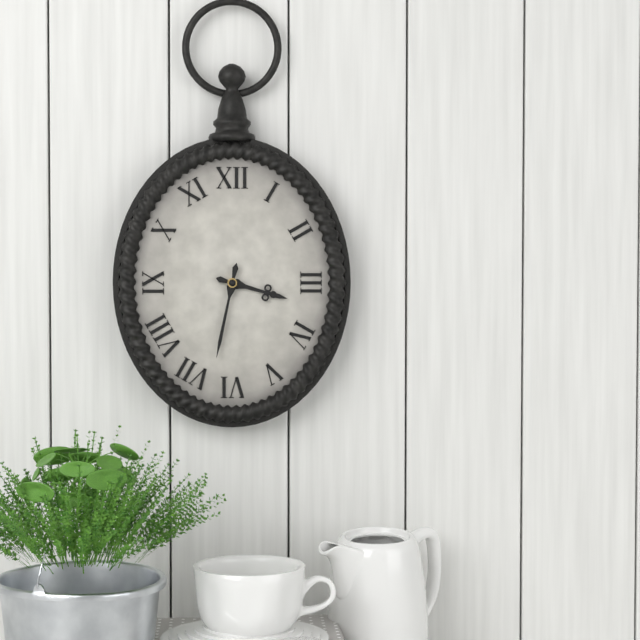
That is 3:32
